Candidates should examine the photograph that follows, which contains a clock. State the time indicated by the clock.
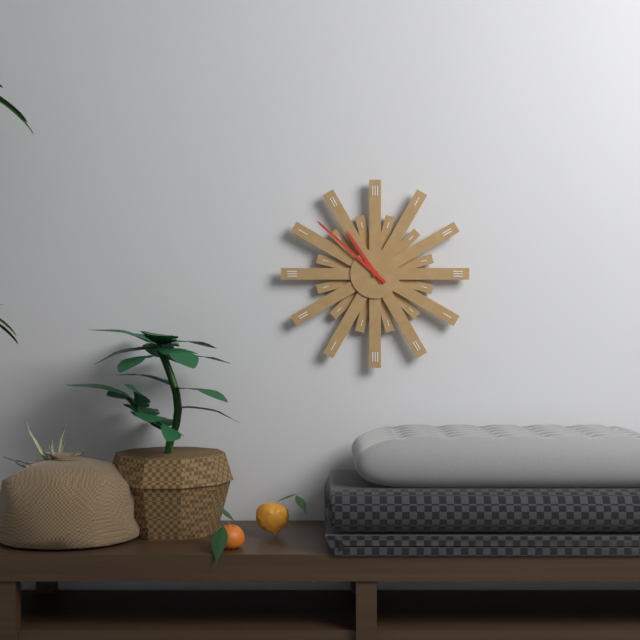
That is 10:52
